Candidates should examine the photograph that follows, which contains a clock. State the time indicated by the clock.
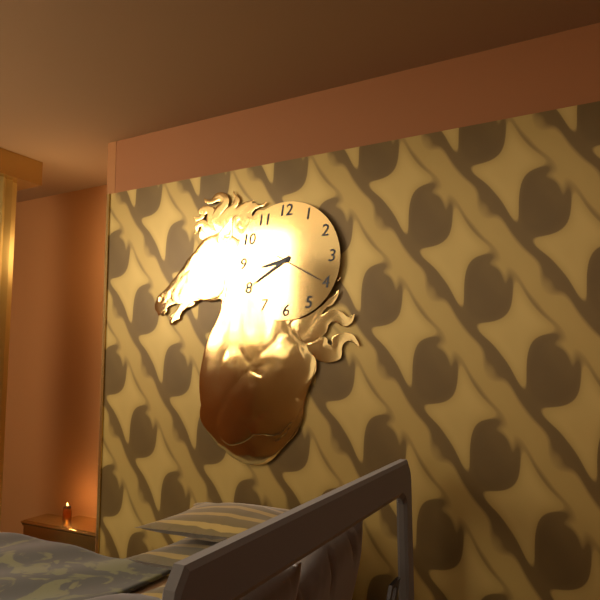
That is 8:40:20
